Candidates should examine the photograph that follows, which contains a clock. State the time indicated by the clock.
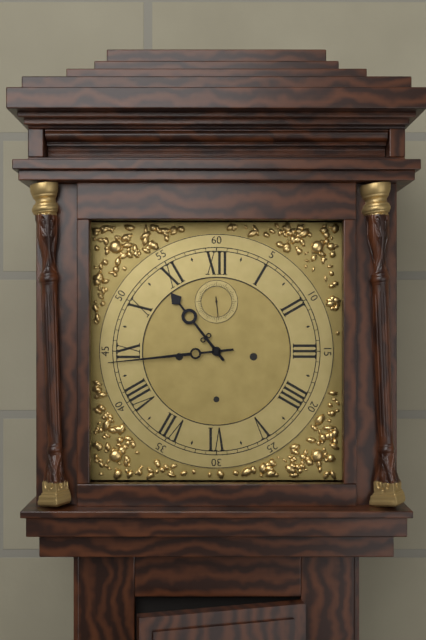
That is 10:44
